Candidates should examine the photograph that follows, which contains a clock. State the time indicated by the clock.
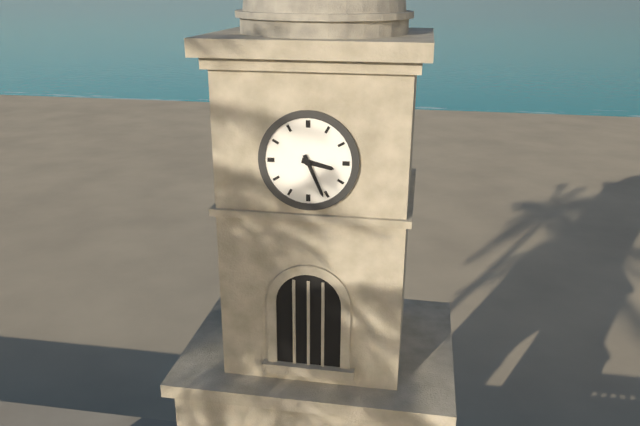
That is 3:26
